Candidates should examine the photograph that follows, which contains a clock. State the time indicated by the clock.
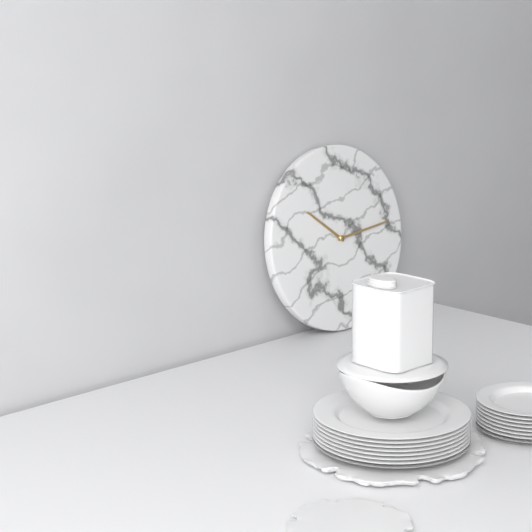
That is 10:14
